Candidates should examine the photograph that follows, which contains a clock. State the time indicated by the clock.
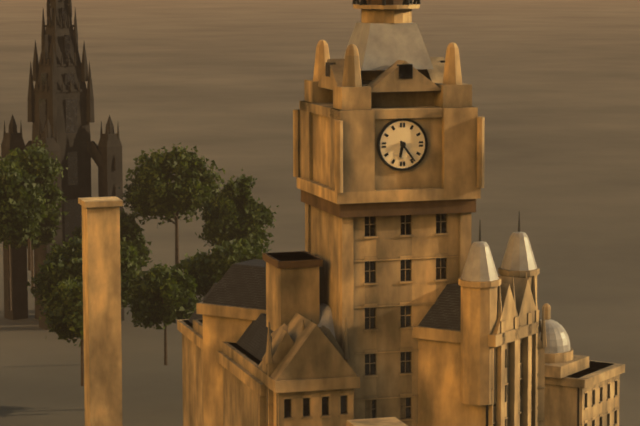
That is 6:24
